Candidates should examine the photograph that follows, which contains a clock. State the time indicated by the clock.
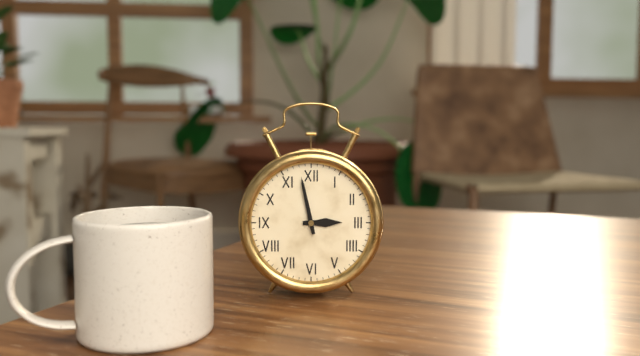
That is 2:58
